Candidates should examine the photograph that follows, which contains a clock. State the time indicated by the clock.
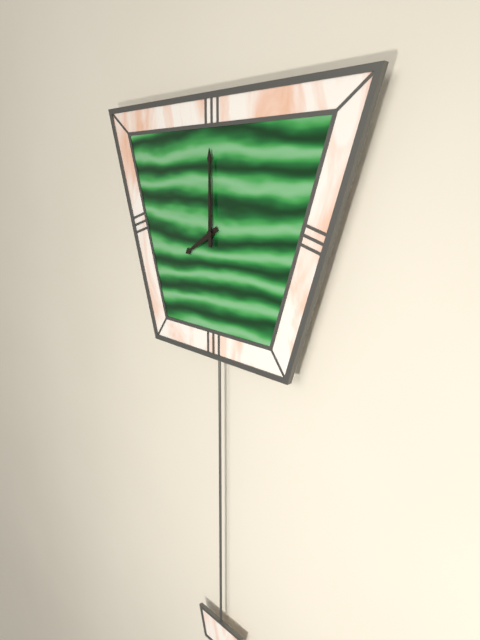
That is 8:00
